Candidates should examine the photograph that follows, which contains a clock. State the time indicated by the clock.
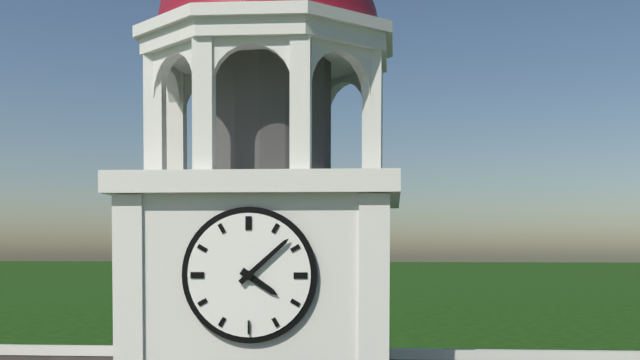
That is 4:08
